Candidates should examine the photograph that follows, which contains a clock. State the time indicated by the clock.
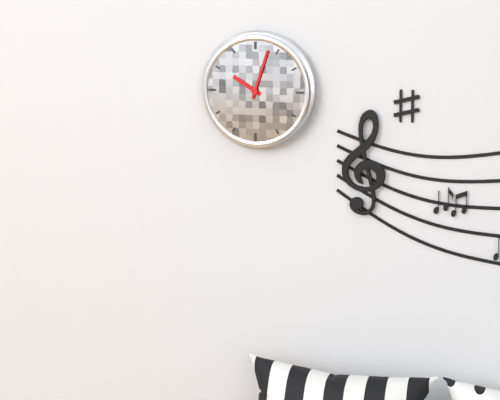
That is 10:03
